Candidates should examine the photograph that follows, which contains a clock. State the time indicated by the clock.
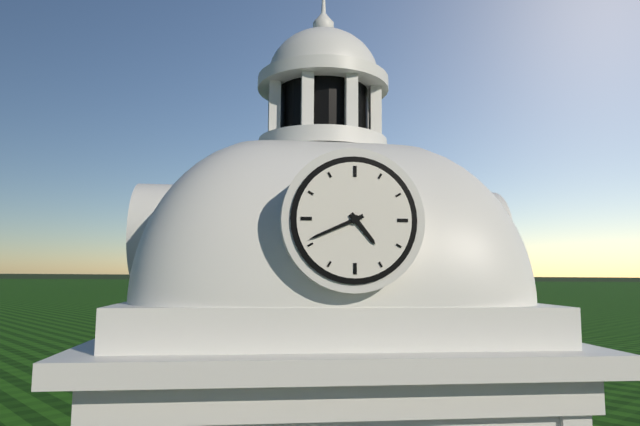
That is 4:41
